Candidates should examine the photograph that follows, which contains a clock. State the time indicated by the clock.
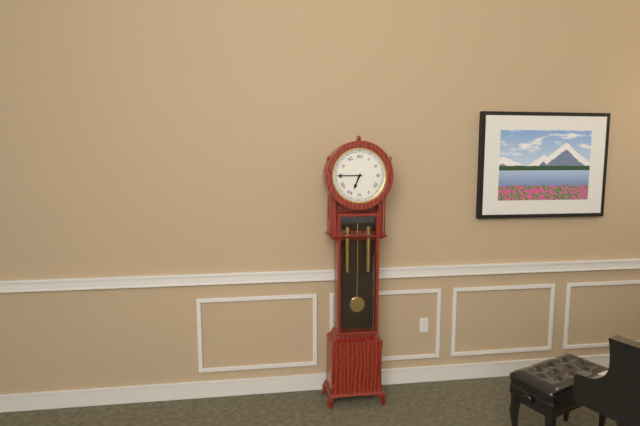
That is 6:45
